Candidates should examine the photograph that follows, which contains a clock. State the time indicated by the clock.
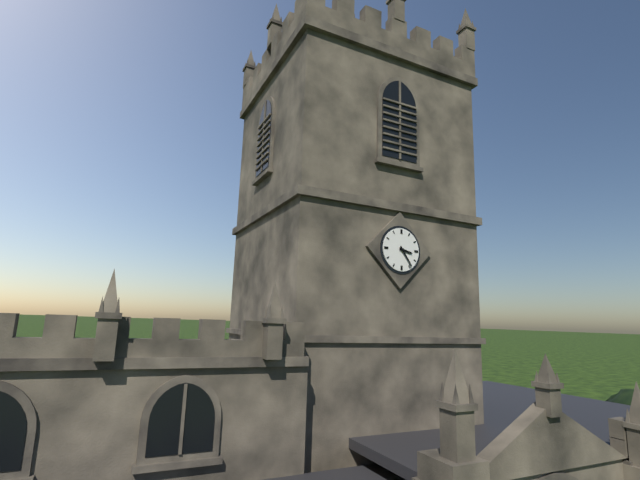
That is 3:24
